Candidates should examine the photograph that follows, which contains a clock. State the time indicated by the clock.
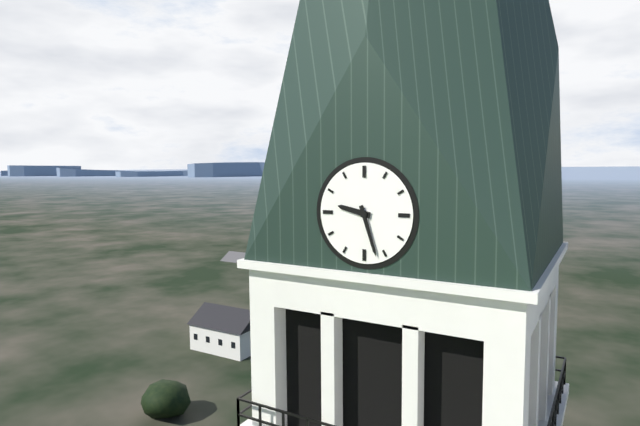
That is 9:27
